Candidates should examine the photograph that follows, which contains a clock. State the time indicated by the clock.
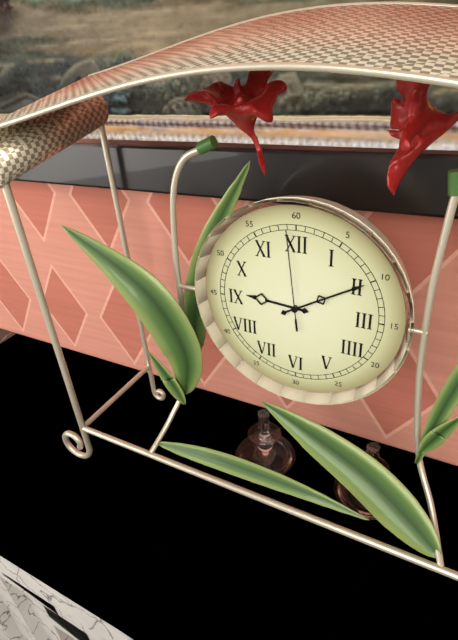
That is 9:10:59
